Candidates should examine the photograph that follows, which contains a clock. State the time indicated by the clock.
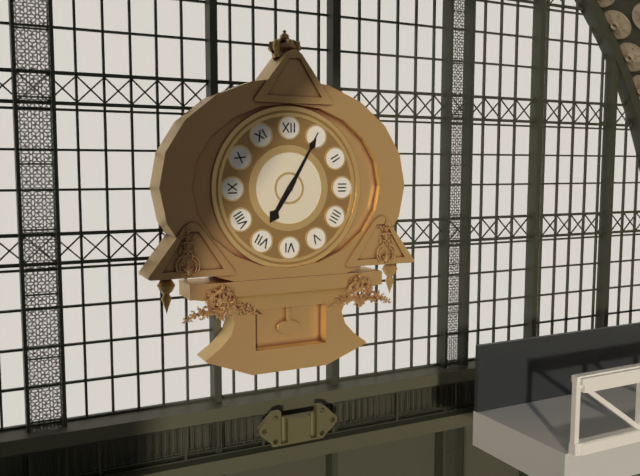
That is 7:05
